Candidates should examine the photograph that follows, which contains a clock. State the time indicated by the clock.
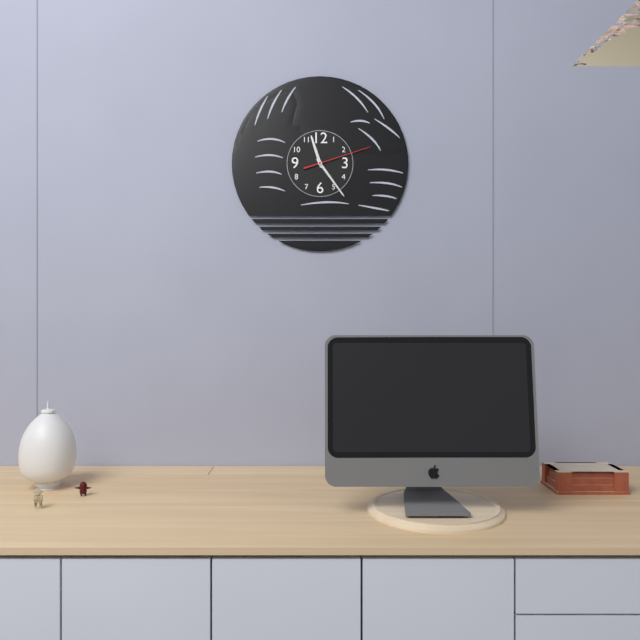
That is 11:24:12
